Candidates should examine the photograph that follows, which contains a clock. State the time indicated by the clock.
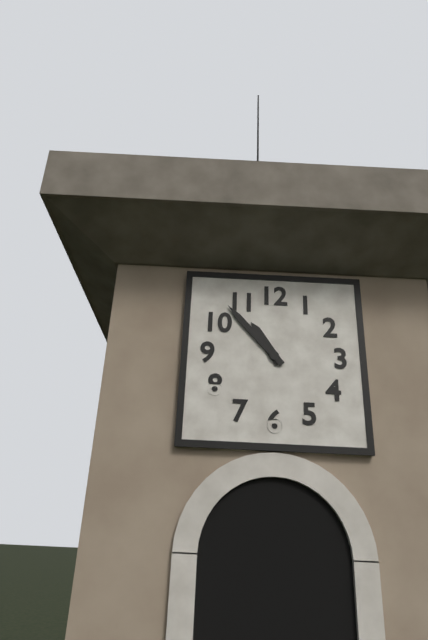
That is 10:53
